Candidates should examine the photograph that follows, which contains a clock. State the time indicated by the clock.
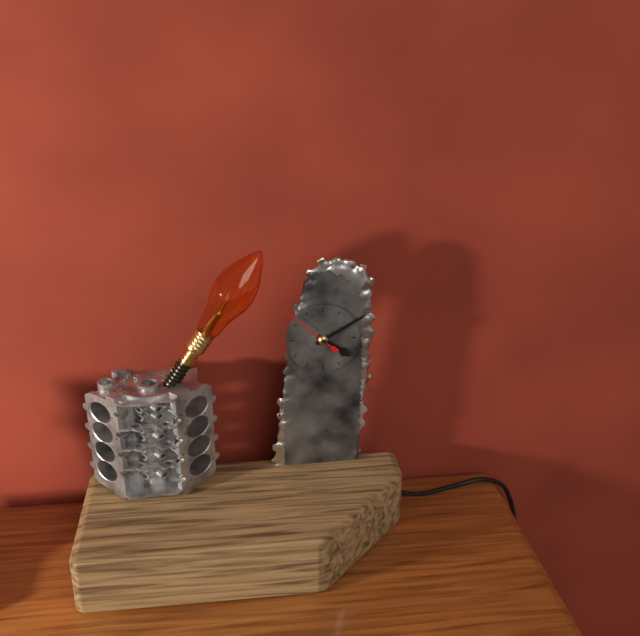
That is 4:10:52
